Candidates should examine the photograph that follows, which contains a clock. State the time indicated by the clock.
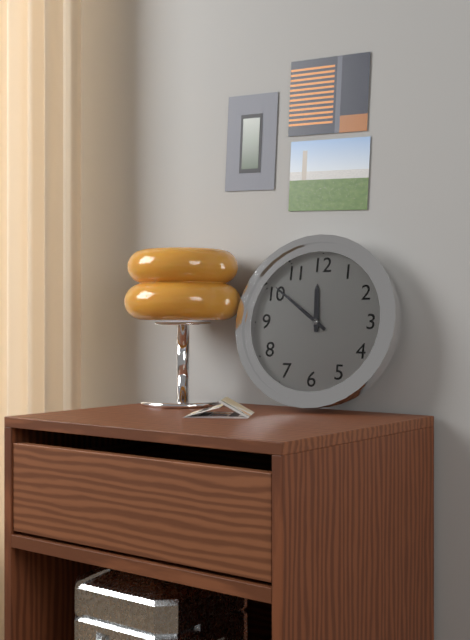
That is 11:51
